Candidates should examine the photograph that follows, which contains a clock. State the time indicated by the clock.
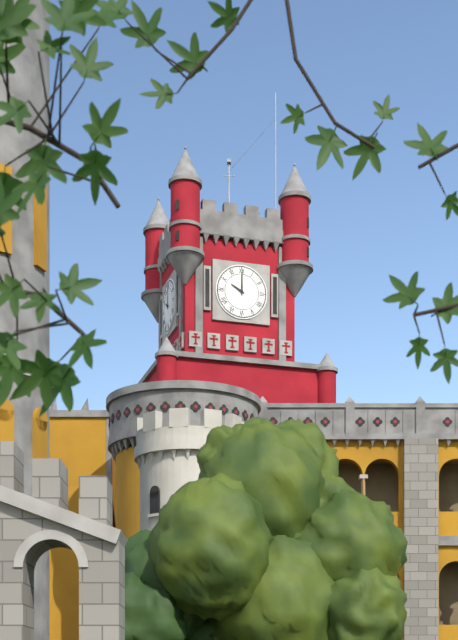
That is 10:00
